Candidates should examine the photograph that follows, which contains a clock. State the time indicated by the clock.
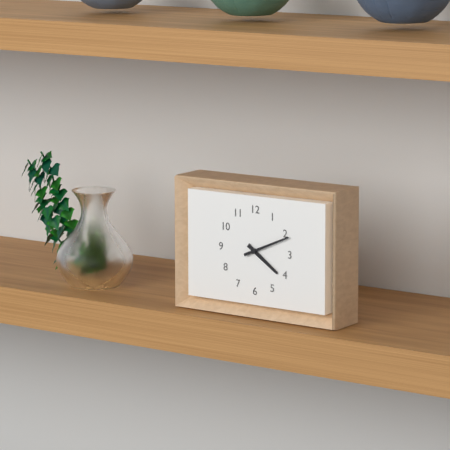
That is 4:11
